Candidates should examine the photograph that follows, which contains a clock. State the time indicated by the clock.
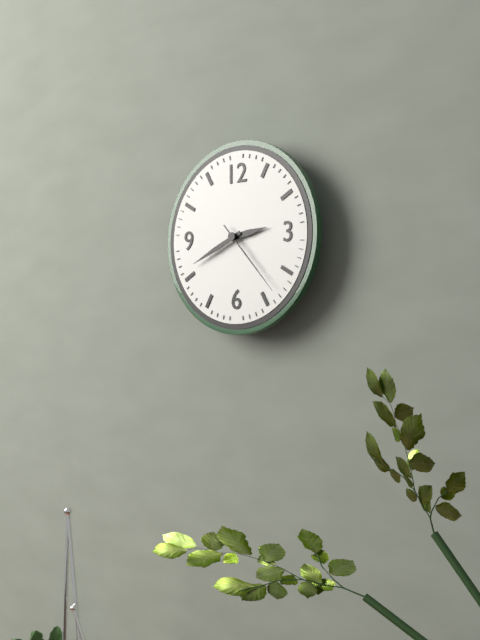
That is 2:41:23
